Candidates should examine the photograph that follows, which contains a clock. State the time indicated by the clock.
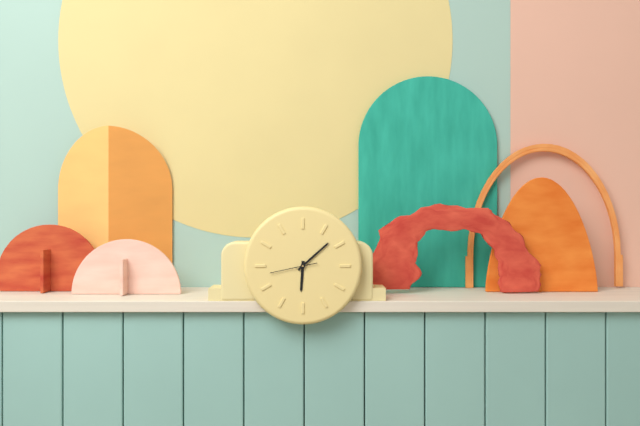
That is 6:08
